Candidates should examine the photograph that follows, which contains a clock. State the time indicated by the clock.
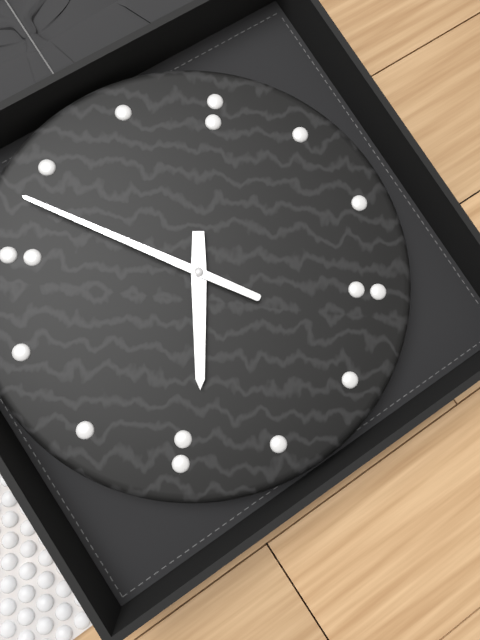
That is 5:48
